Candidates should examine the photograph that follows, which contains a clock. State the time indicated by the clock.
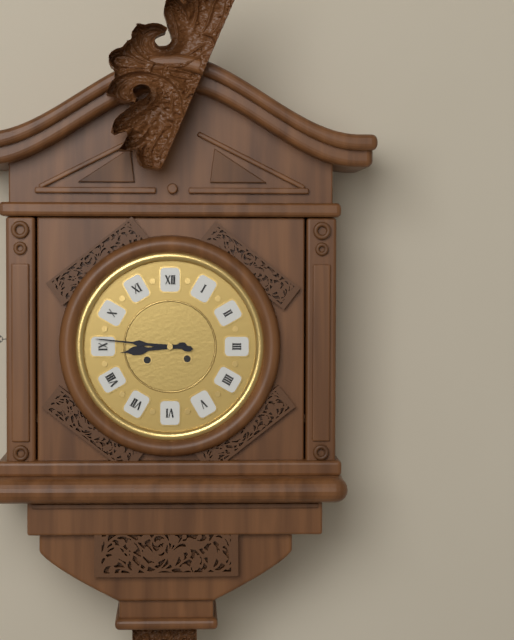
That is 8:46
